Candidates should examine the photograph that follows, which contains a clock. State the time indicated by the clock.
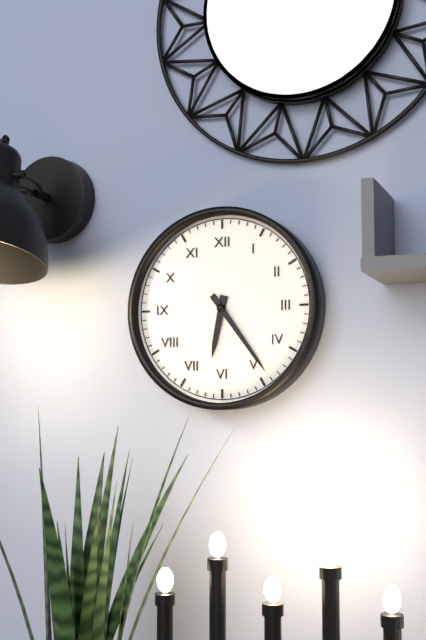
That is 6:24
